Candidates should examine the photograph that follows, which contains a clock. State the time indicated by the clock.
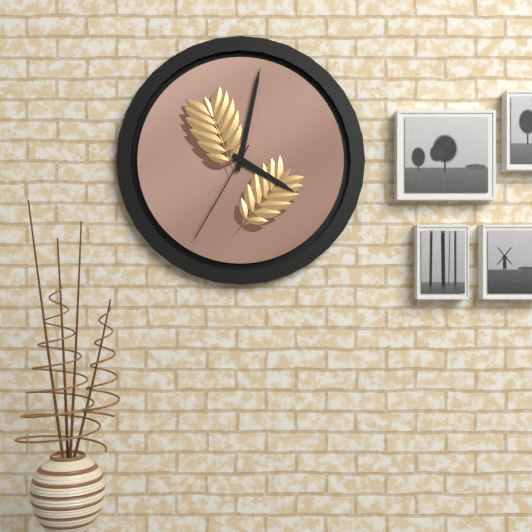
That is 4:02:35
